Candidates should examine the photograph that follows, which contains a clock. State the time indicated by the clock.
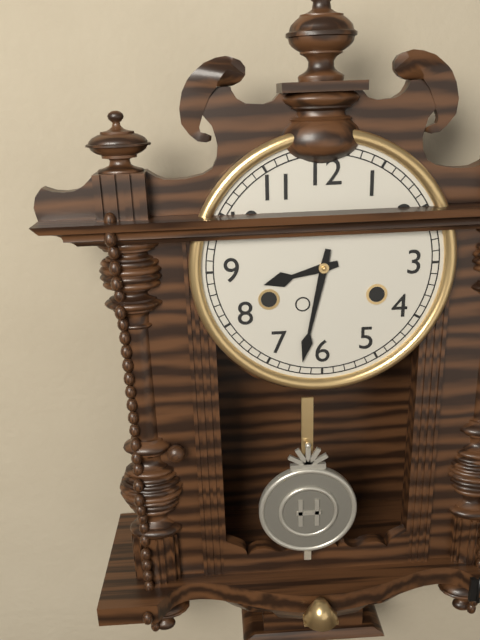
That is 8:32
